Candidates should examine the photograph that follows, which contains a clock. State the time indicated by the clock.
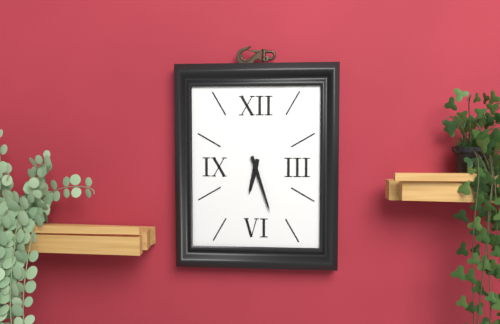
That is 6:27
